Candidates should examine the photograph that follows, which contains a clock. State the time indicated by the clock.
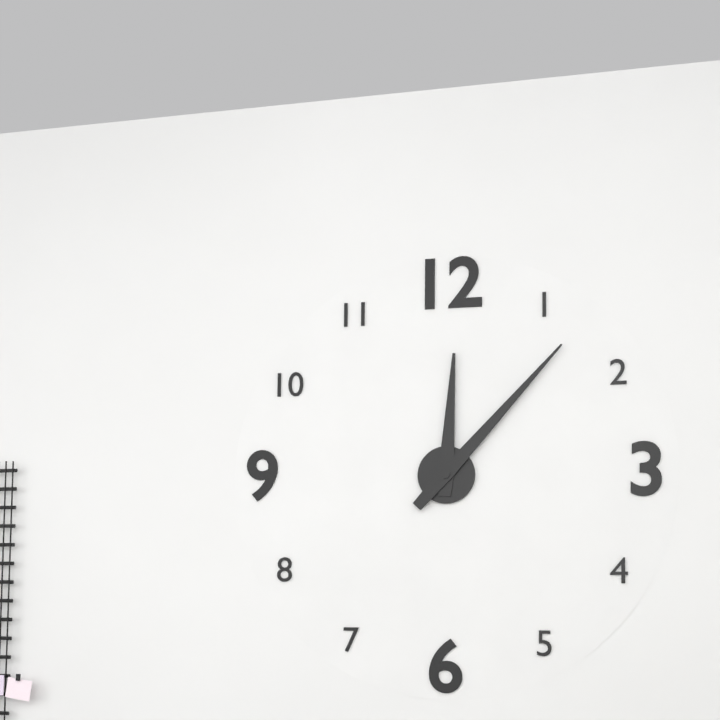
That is 12:07
